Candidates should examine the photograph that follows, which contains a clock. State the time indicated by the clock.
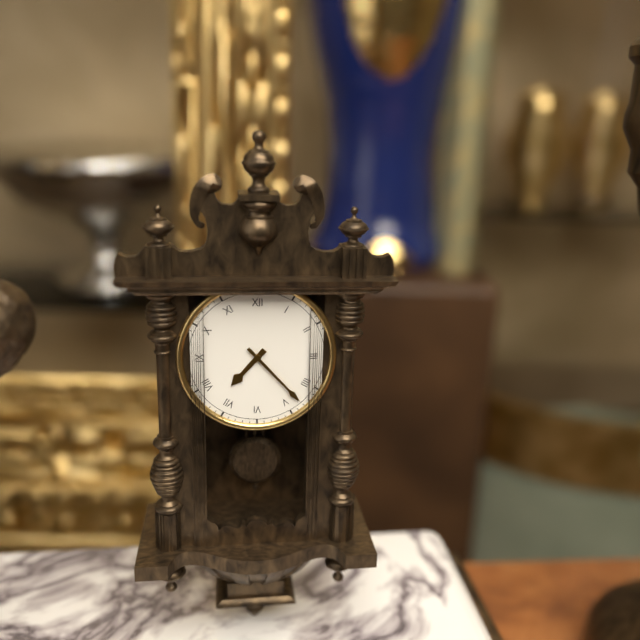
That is 7:23
